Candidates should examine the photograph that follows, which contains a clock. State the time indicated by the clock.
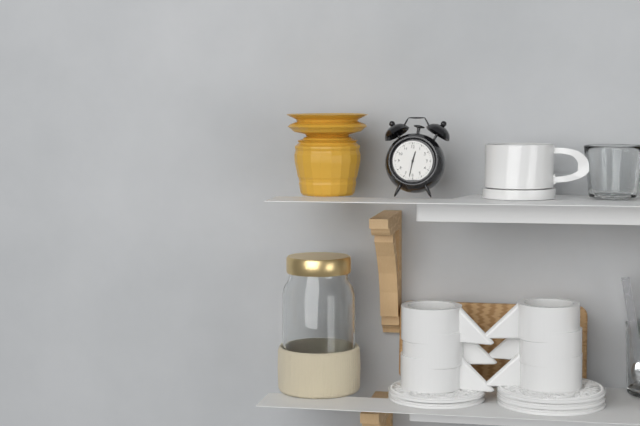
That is 12:32
